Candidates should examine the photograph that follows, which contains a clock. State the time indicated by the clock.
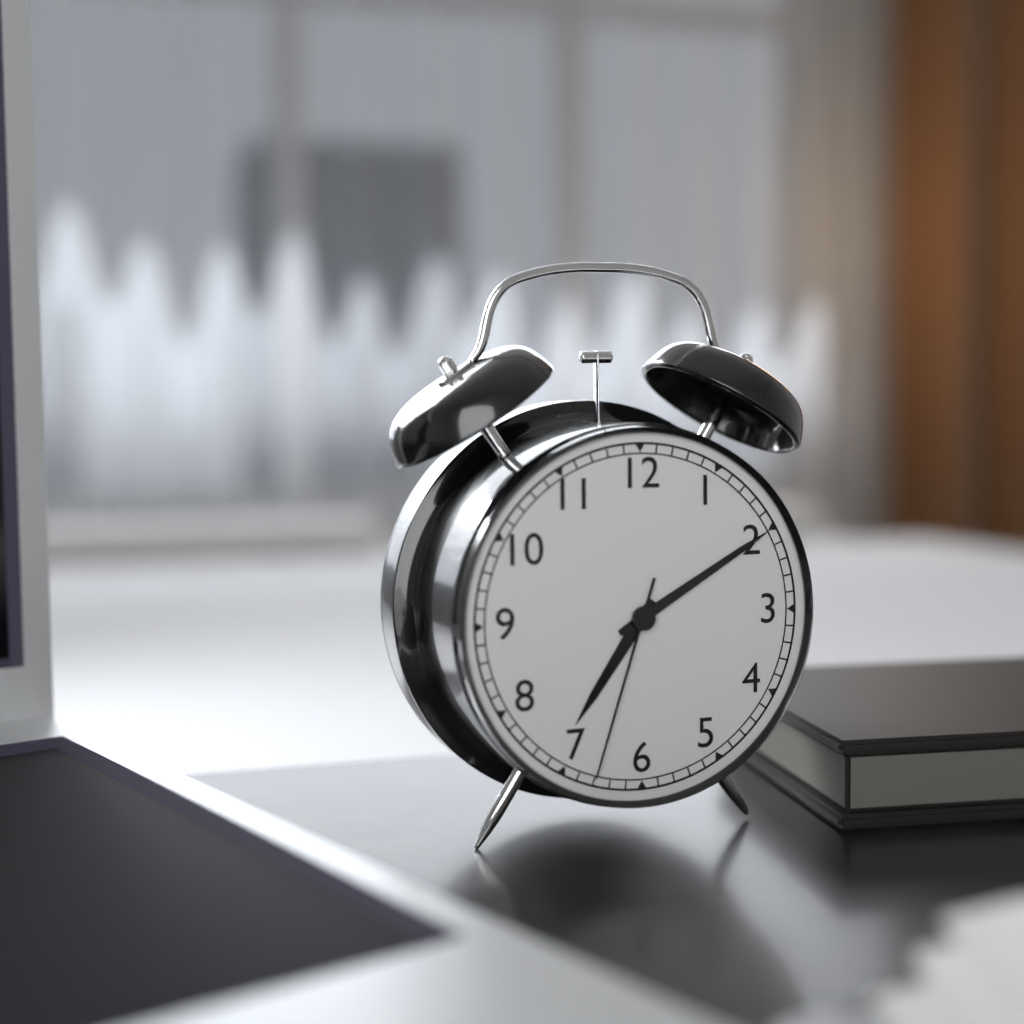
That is 7:10:33
